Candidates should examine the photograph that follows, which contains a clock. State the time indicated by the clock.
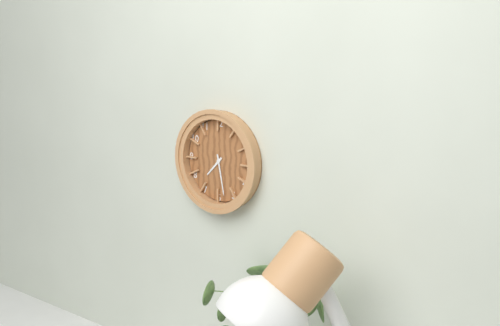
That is 7:28
